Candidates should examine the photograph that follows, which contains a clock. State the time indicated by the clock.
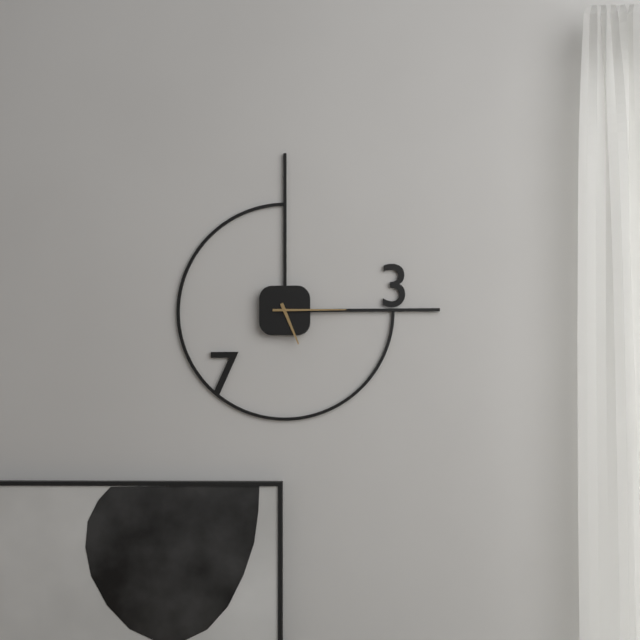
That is 5:15
